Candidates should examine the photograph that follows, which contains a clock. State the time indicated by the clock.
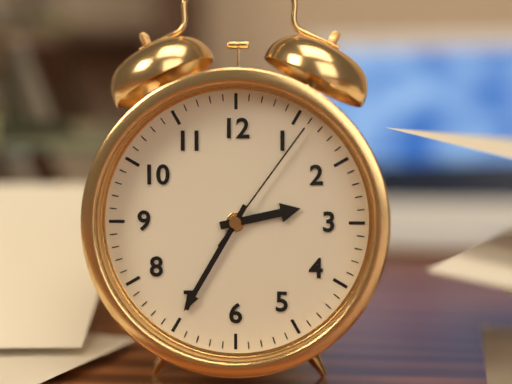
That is 2:35:06
